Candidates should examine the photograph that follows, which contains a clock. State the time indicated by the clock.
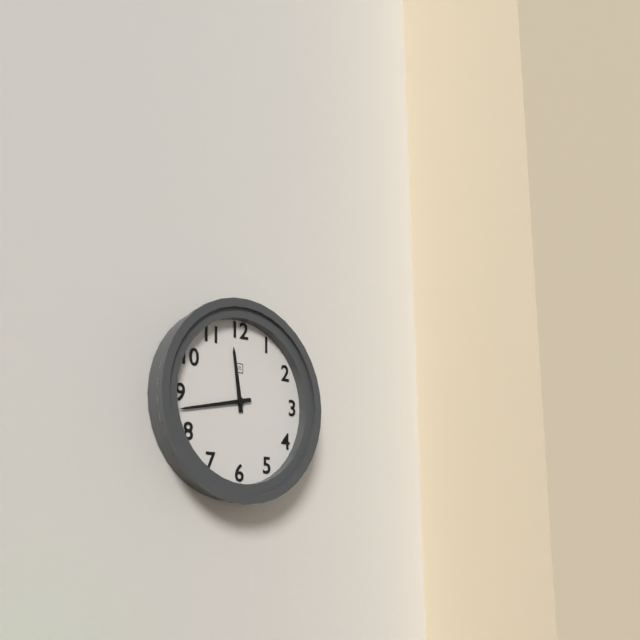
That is 11:43
